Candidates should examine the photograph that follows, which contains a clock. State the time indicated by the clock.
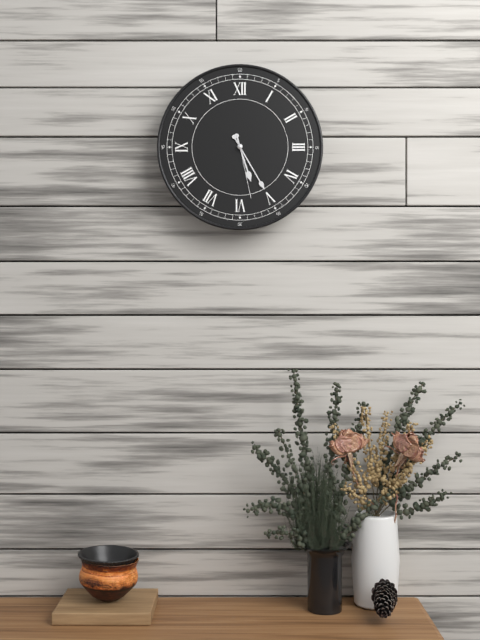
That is 5:25:28
